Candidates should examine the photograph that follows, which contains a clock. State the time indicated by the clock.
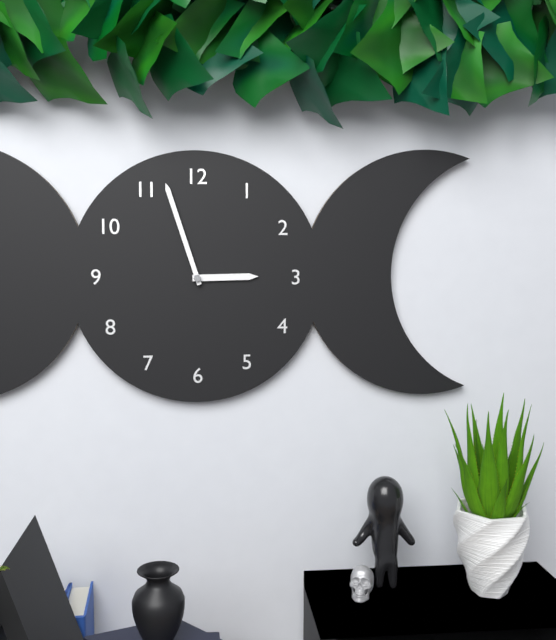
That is 2:57
